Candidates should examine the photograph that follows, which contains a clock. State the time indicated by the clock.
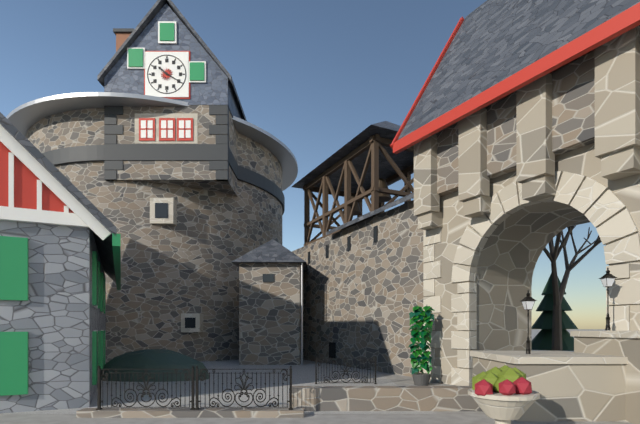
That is 10:20
